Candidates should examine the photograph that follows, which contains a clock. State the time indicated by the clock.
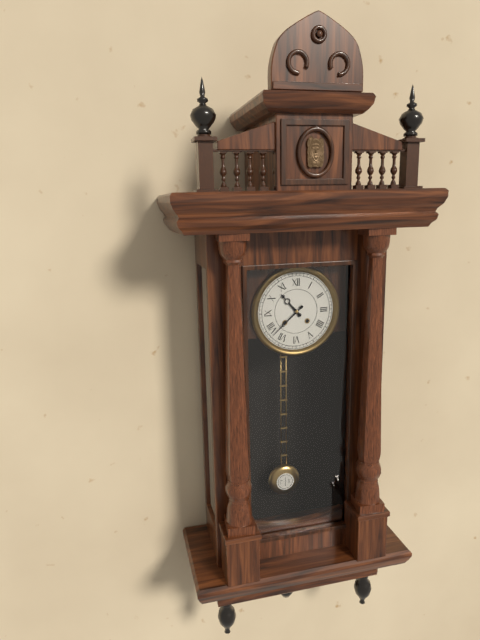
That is 10:38
